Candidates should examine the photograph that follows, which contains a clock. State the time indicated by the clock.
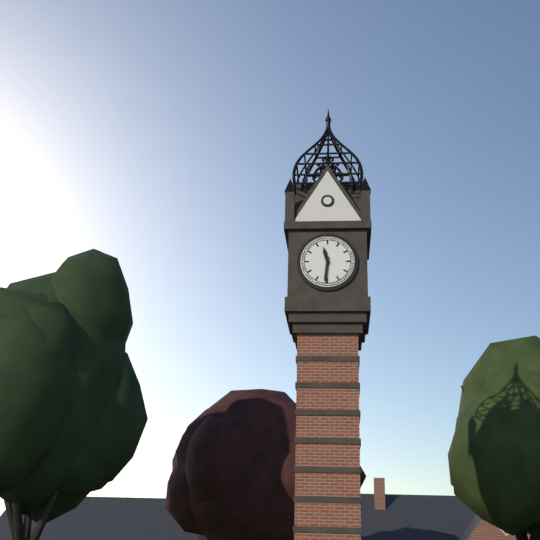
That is 11:31
